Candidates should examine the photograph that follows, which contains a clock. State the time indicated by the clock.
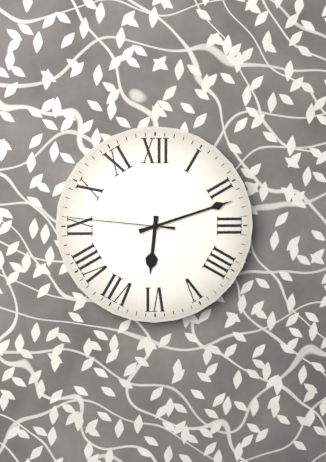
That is 6:12:46
